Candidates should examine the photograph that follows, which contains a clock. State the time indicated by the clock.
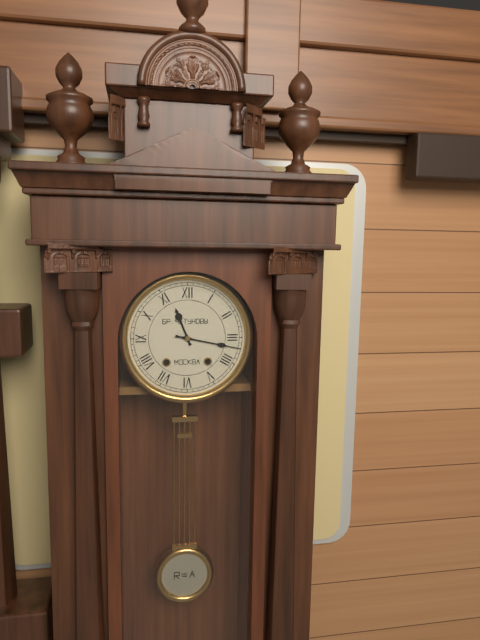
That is 11:17
